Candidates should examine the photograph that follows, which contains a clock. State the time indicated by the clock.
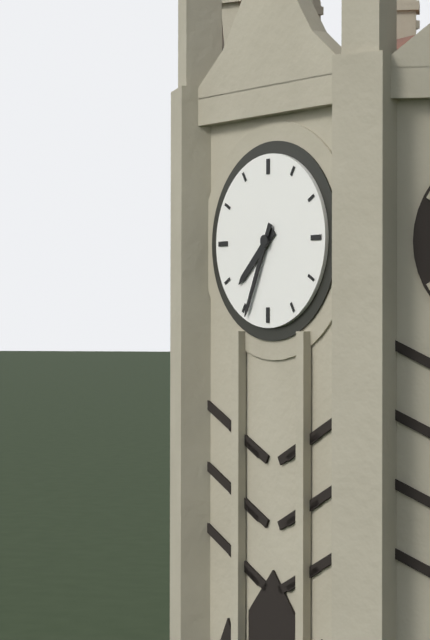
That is 7:34
